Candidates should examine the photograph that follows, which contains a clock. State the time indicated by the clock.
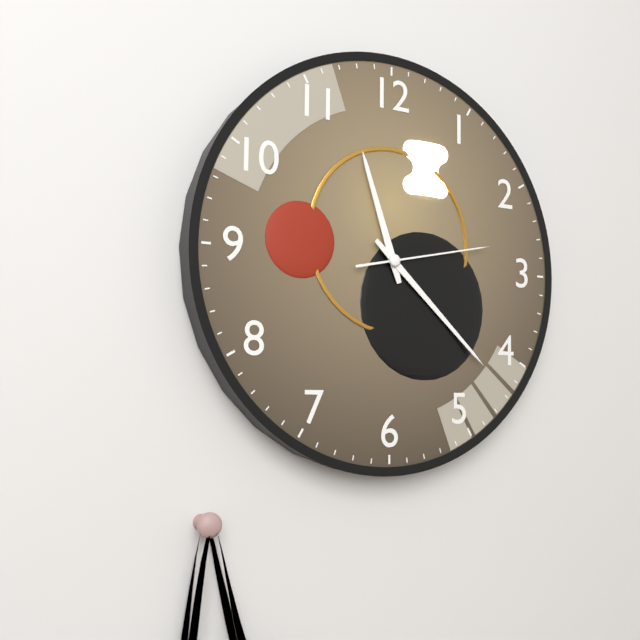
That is 11:22:13
